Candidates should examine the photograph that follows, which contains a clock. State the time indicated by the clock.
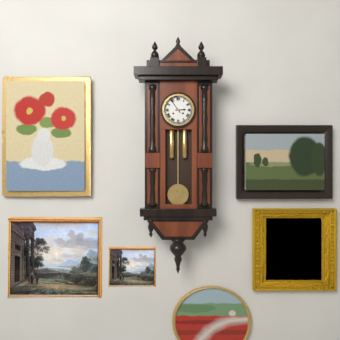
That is 2:54
